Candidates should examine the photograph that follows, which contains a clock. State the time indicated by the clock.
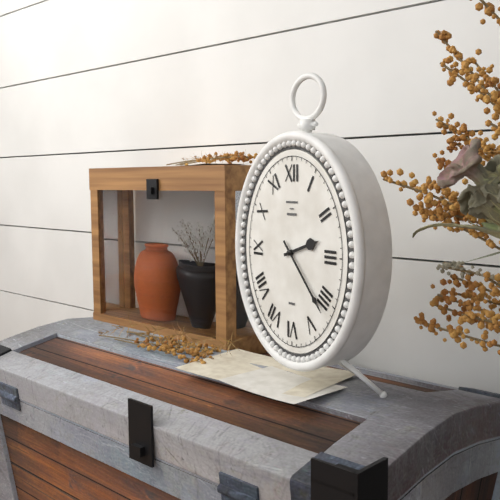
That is 2:23
